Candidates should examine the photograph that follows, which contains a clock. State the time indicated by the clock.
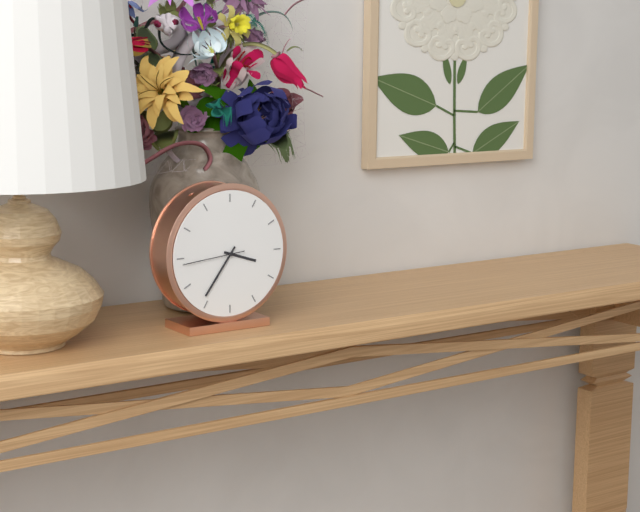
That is 3:36:44
